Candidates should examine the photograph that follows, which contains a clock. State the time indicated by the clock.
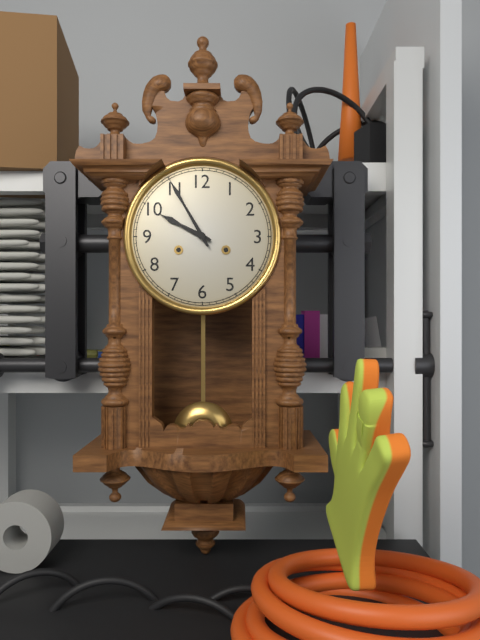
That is 9:55
